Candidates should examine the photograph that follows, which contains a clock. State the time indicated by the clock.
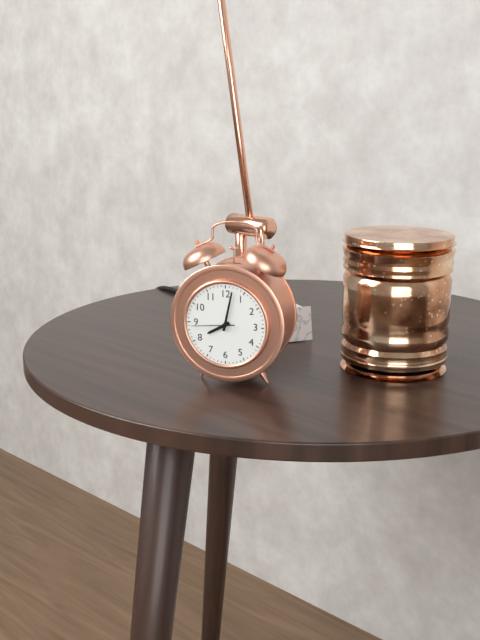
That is 8:02
